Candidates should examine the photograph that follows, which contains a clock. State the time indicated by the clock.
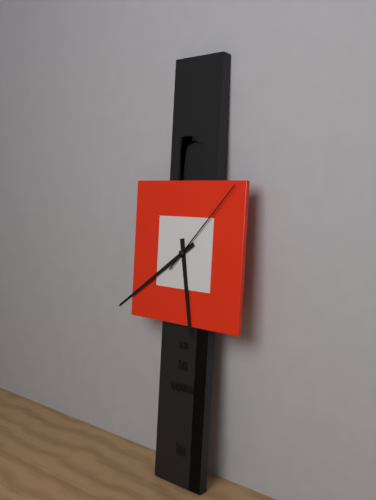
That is 5:39:07
